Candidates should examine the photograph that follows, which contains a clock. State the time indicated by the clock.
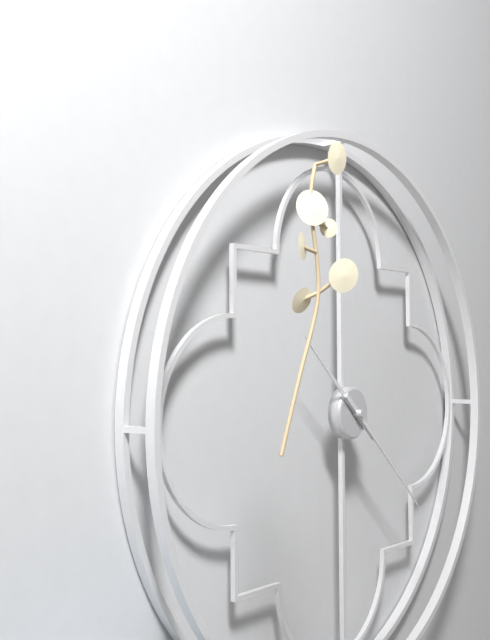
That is 10:22
